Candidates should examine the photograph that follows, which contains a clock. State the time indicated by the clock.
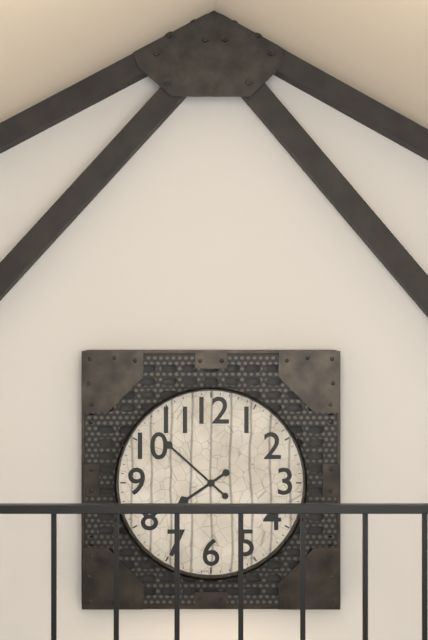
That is 7:52
